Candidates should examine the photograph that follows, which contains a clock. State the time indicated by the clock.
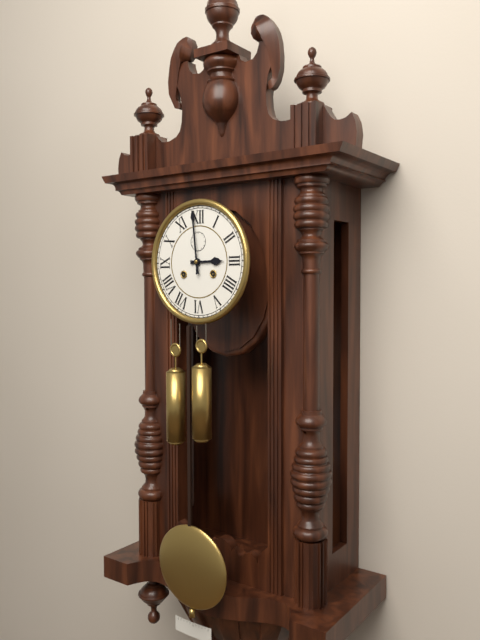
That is 2:59
